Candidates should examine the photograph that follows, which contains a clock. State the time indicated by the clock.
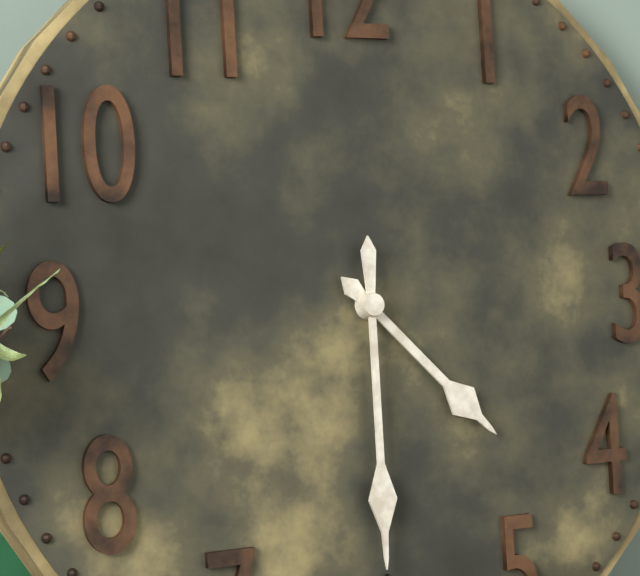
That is 4:30
